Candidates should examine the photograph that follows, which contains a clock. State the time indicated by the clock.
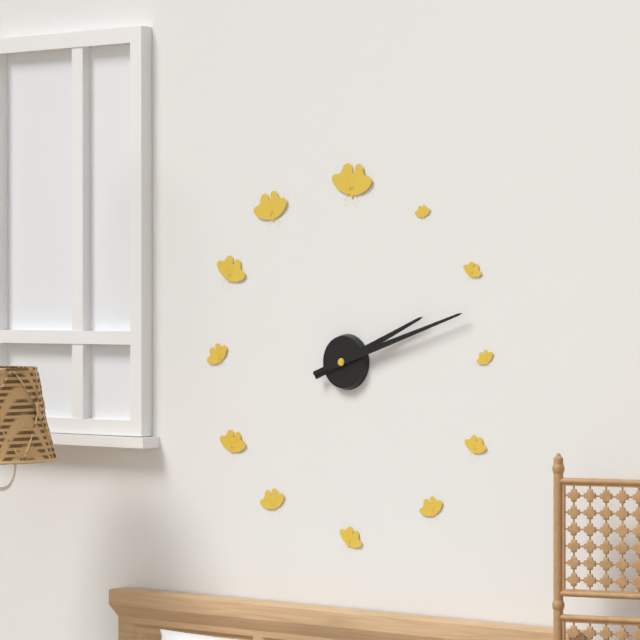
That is 2:12
